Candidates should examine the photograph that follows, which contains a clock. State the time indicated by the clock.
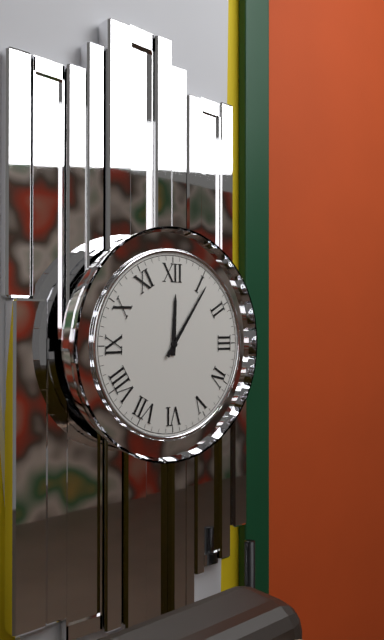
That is 12:06
